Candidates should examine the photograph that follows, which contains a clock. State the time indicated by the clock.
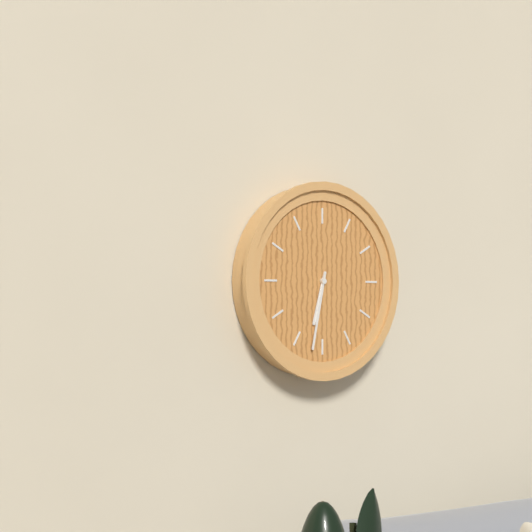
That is 6:32
